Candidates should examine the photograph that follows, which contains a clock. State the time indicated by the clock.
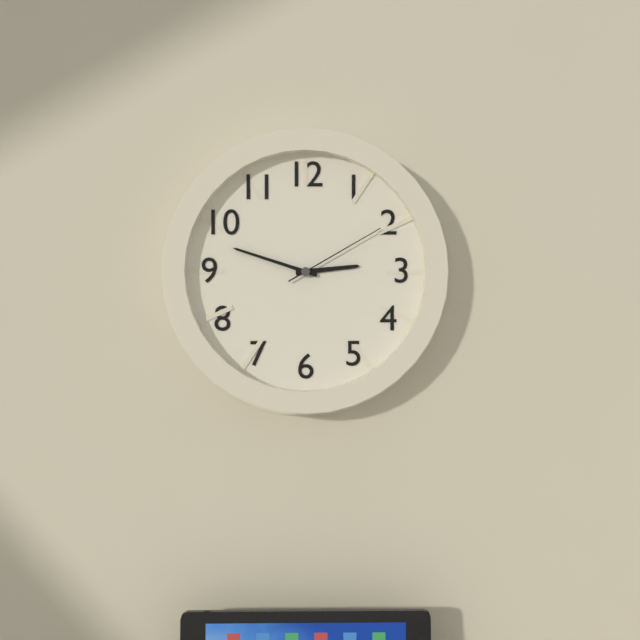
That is 2:48:10
